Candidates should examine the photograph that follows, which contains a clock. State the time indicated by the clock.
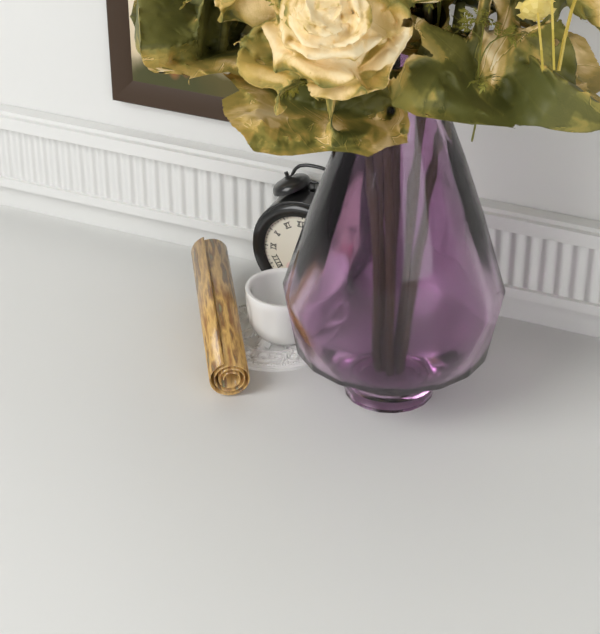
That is 2:20
